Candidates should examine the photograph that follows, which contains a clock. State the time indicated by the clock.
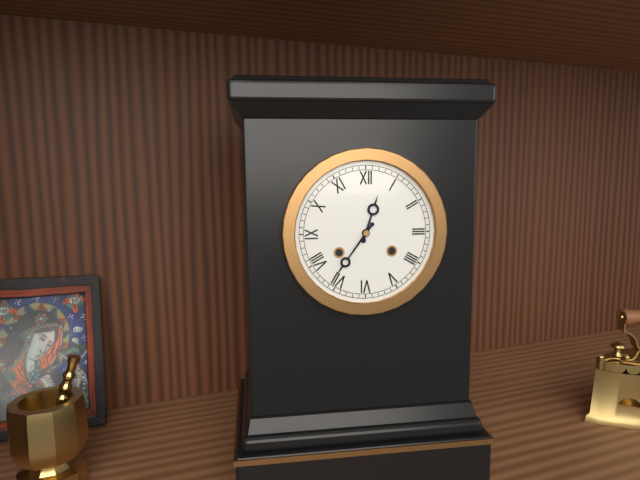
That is 12:36
